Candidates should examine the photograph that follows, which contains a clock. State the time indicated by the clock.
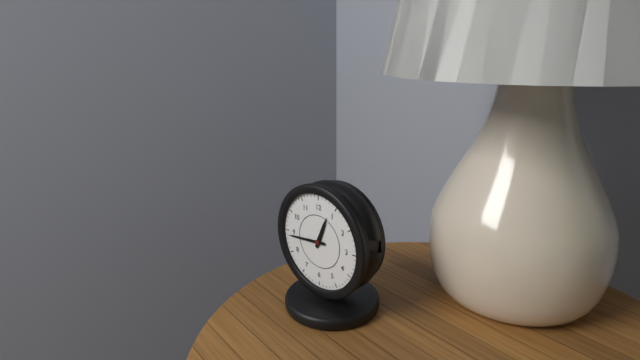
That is 12:44
